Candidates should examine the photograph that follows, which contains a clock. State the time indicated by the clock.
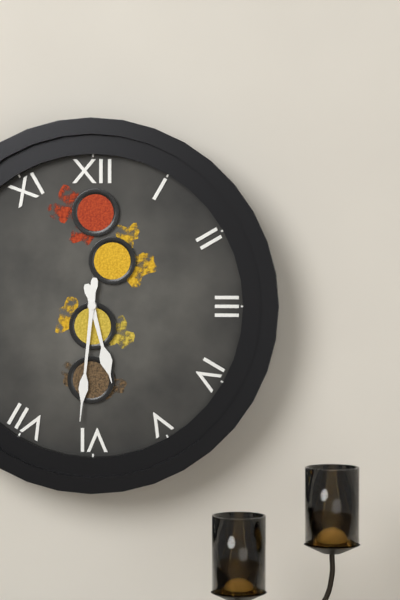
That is 5:31
